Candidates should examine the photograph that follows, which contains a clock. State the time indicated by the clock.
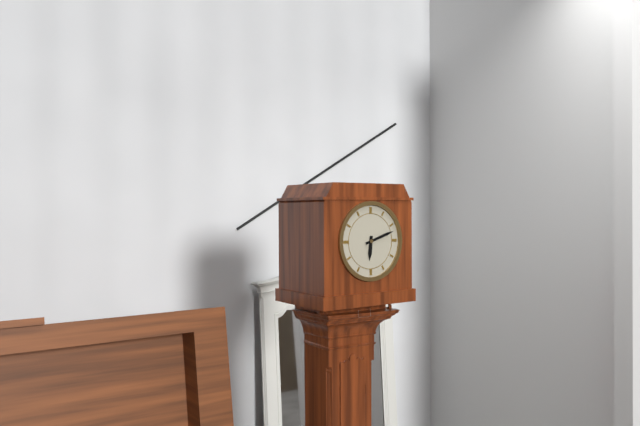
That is 6:12
